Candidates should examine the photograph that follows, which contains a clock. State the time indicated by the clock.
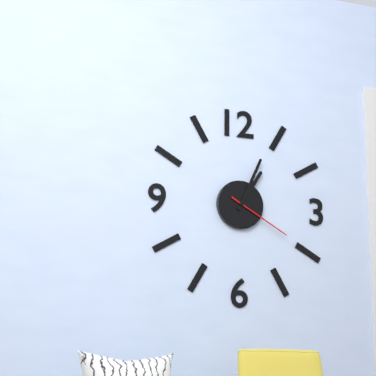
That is 1:04:20
